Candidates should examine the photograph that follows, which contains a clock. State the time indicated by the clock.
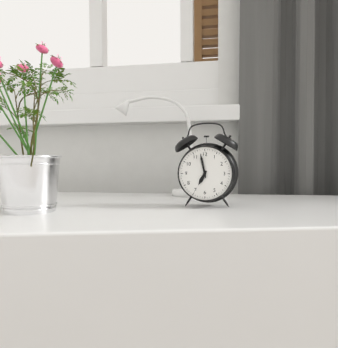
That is 6:58
